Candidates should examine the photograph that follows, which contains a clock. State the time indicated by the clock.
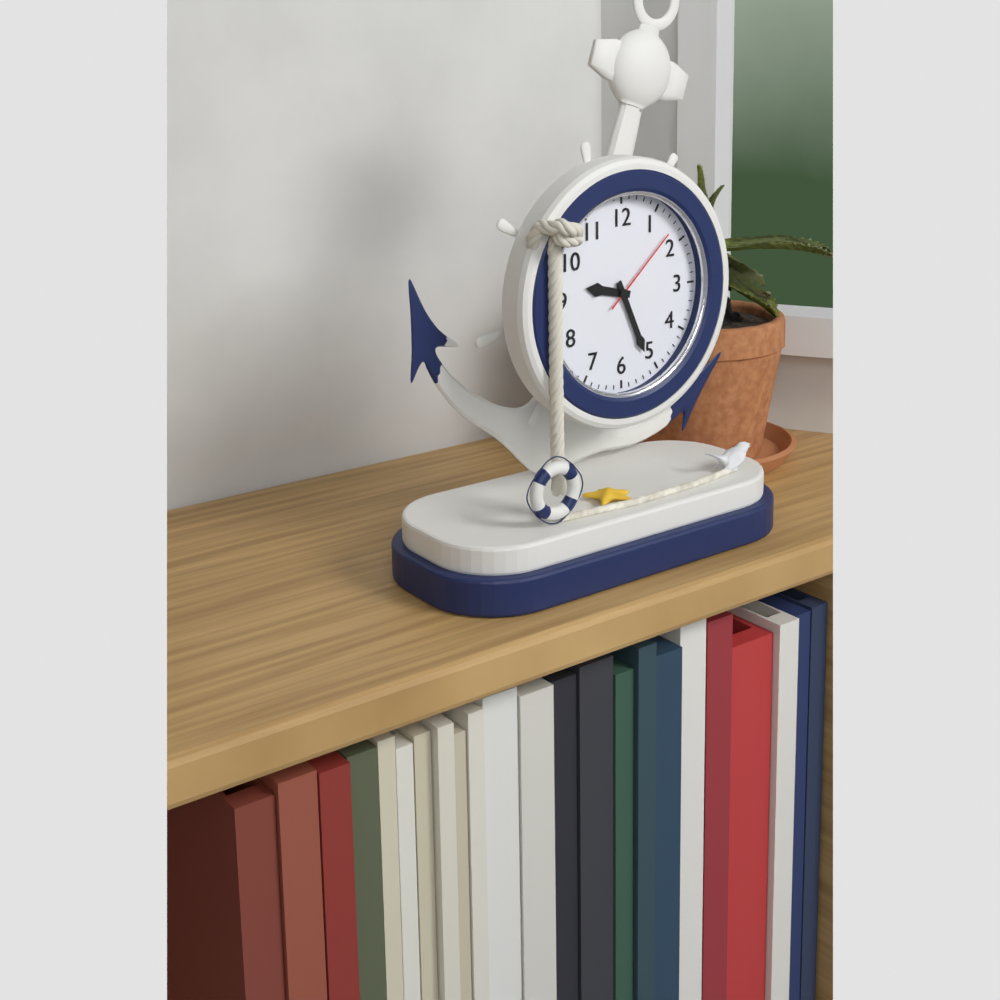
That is 9:26:08
